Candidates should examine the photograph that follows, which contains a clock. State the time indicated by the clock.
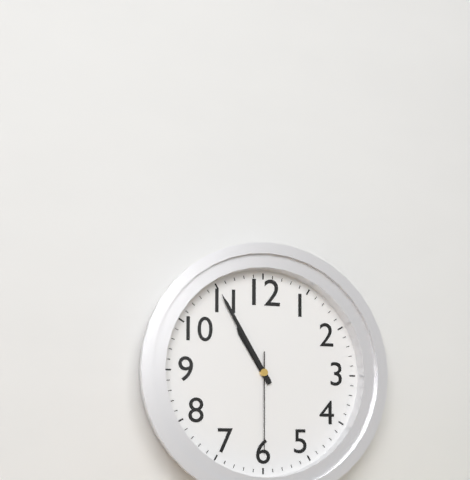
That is 10:55:30
